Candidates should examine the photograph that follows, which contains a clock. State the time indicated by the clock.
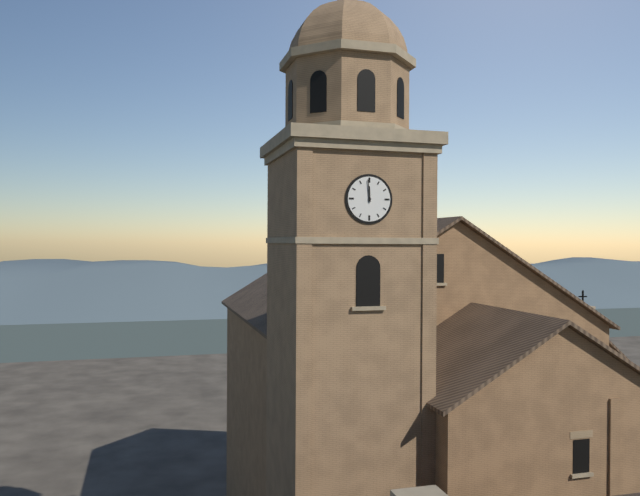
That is 11:59
